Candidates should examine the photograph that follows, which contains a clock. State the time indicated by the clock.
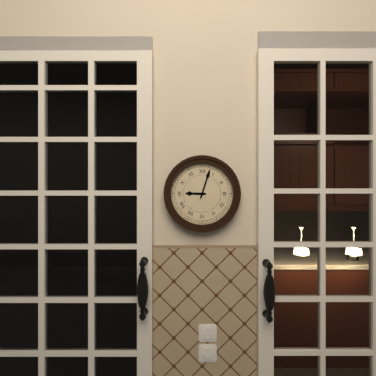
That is 9:03
